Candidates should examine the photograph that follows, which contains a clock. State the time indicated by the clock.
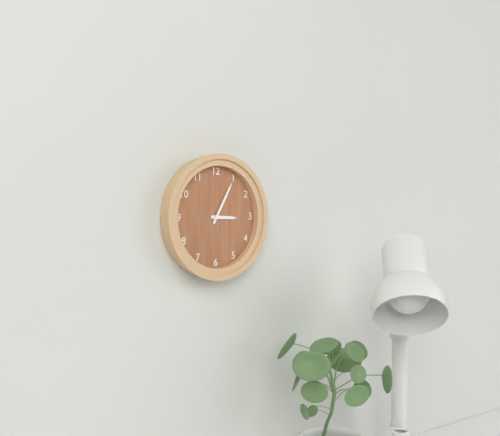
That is 3:05
